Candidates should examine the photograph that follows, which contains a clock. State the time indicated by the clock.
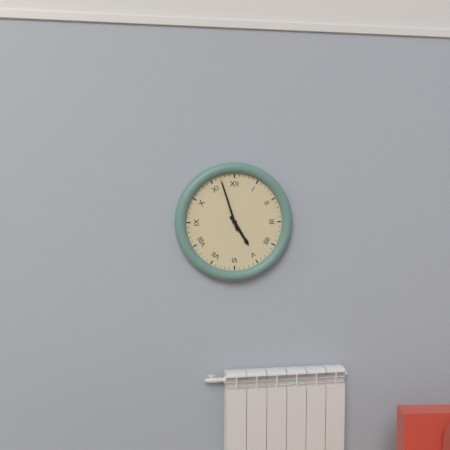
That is 4:57
